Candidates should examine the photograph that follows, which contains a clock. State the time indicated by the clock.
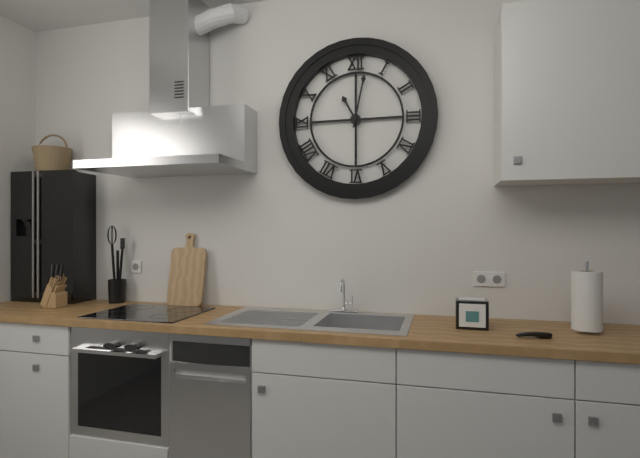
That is 11:02
